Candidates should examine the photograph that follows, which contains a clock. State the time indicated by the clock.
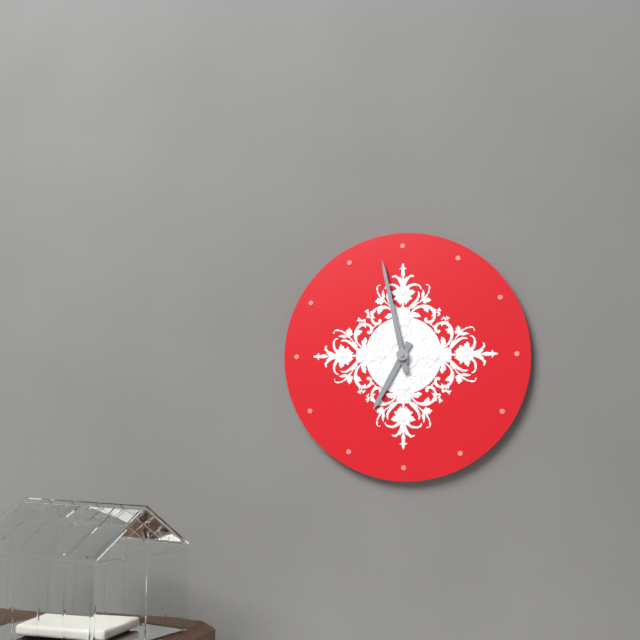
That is 6:58
